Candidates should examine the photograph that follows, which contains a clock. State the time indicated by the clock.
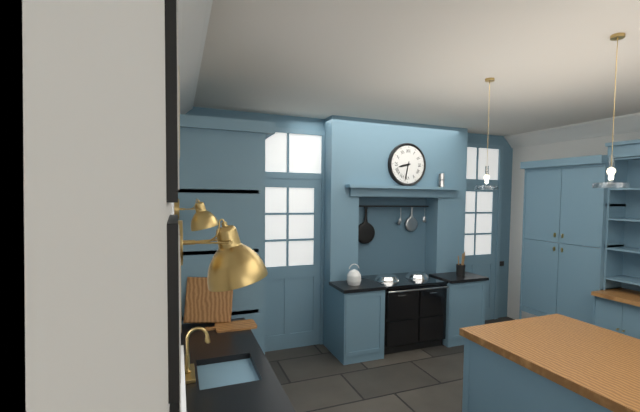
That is 8:32
